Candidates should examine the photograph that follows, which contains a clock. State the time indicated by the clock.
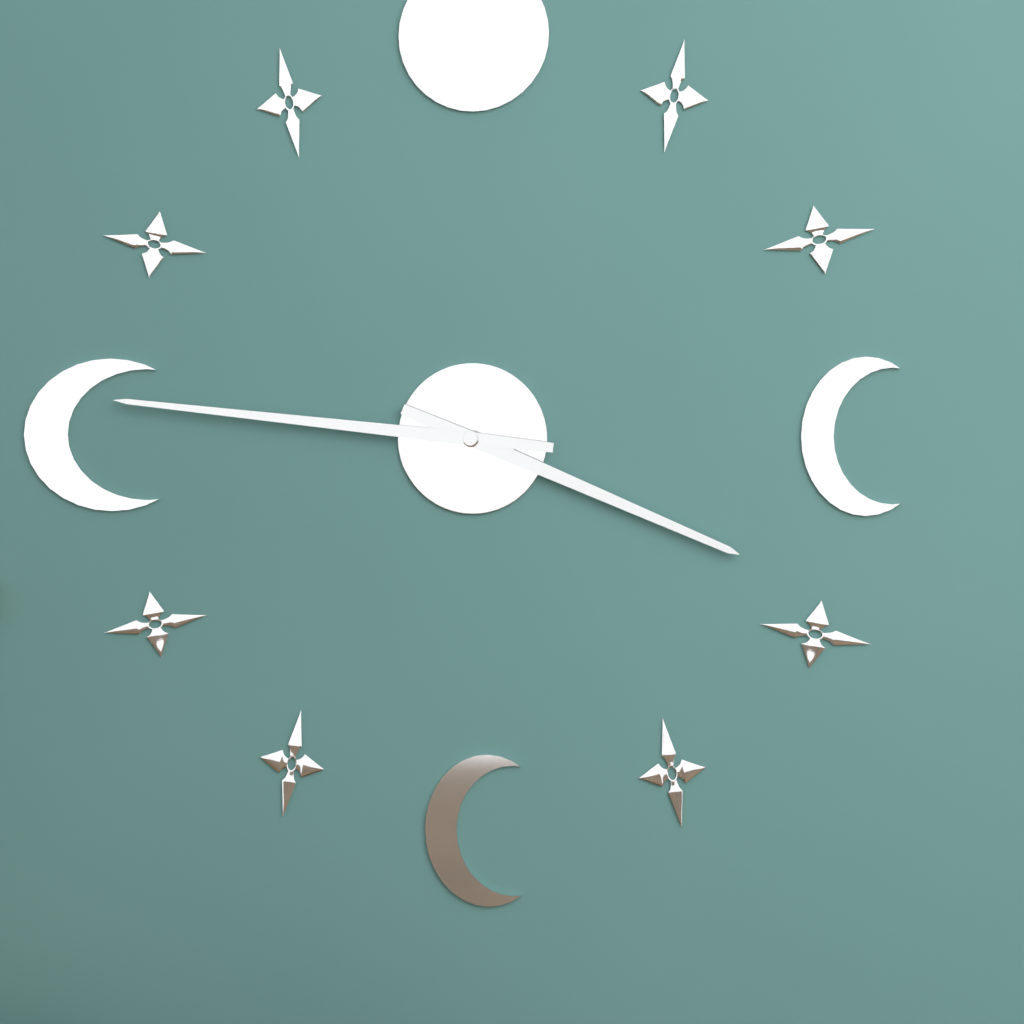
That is 3:46
